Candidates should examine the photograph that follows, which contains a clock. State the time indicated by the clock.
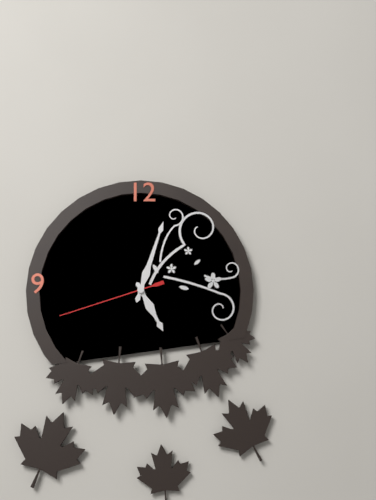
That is 5:03:42
